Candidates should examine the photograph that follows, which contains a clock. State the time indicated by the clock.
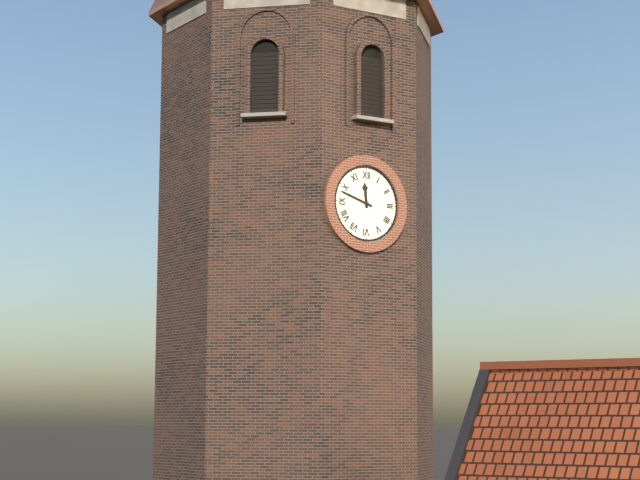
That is 11:48
